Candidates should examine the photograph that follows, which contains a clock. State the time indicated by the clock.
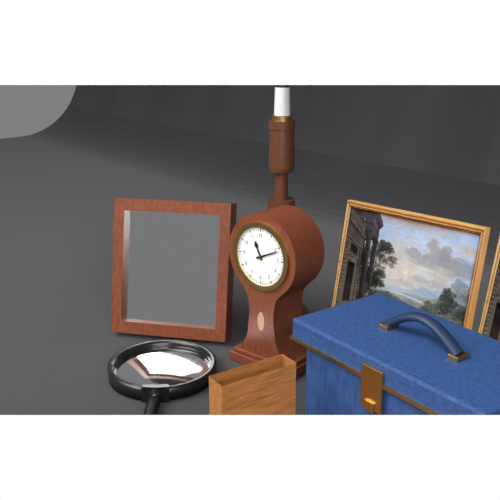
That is 11:11
